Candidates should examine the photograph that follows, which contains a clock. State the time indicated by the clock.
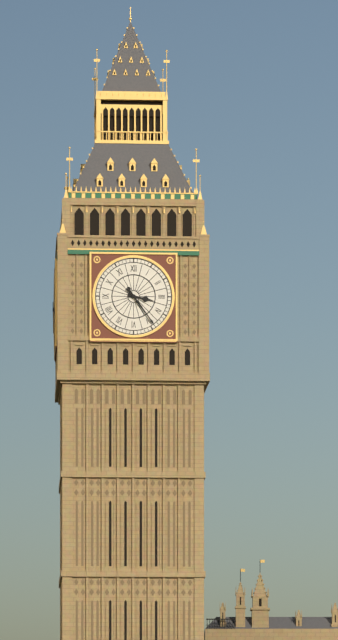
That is 3:24
